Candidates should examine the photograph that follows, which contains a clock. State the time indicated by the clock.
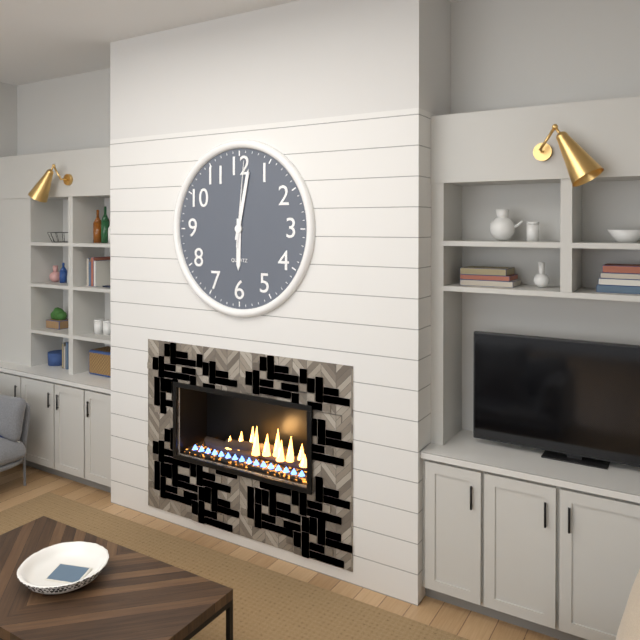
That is 6:02:01
